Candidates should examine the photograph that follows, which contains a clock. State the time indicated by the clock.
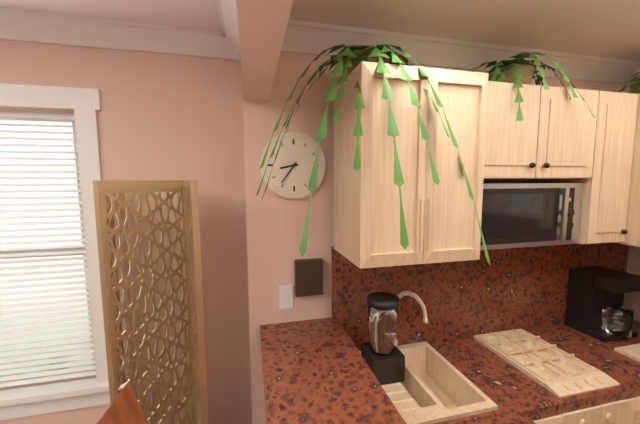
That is 8:36
